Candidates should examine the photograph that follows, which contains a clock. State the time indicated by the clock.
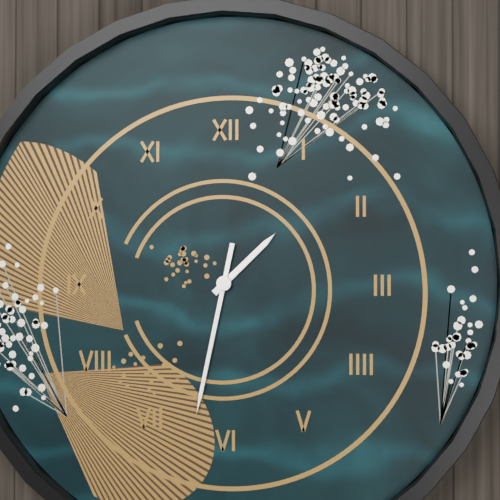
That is 1:32
